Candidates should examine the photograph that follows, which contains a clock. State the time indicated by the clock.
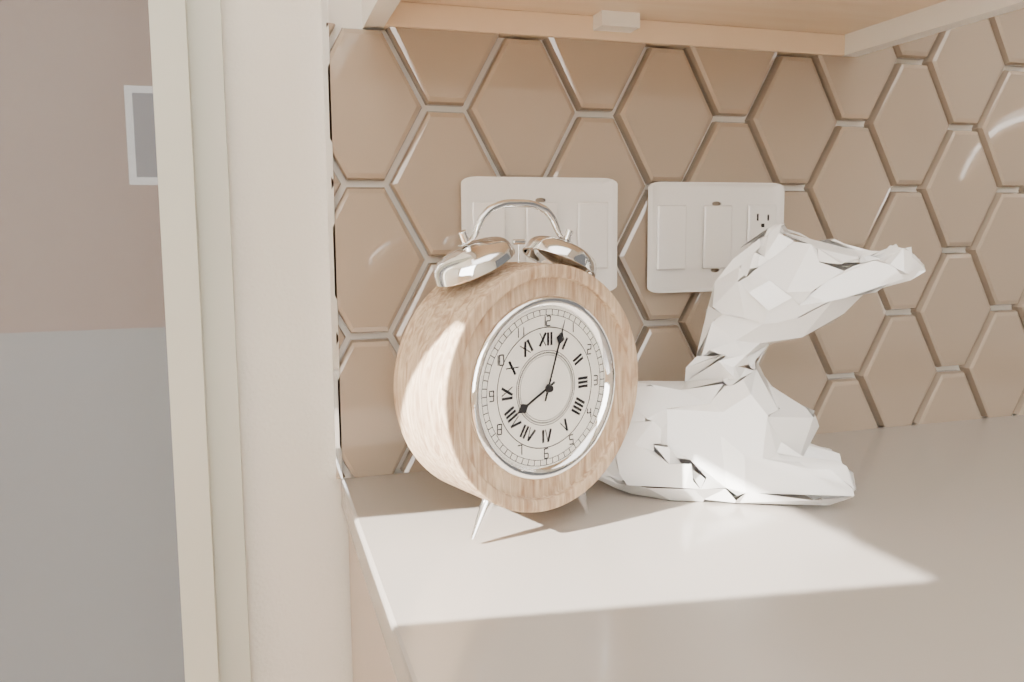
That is 8:03
